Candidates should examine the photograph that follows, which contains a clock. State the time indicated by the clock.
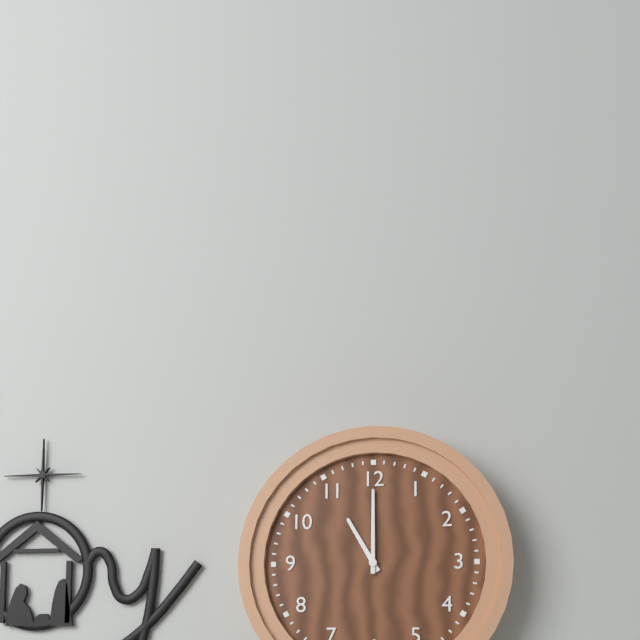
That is 11:00
